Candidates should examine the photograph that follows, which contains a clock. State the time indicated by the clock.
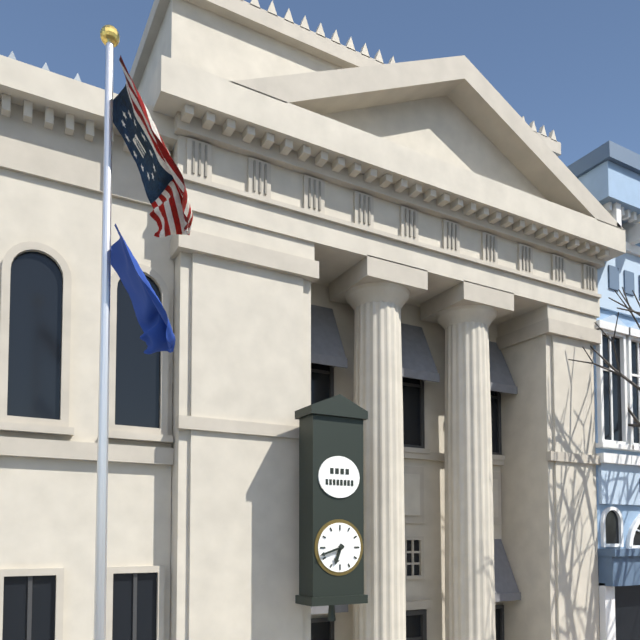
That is 6:42
